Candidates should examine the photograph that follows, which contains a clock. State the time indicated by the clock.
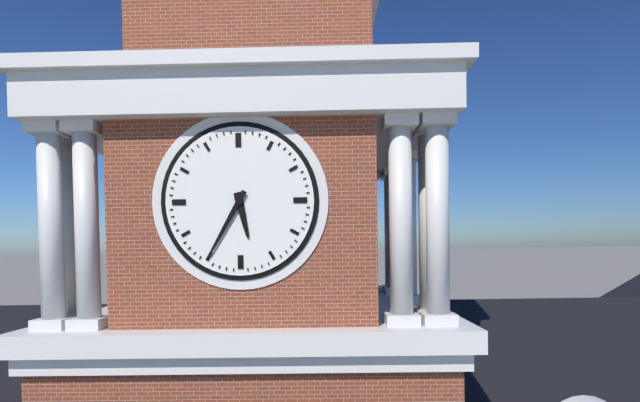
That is 5:35
